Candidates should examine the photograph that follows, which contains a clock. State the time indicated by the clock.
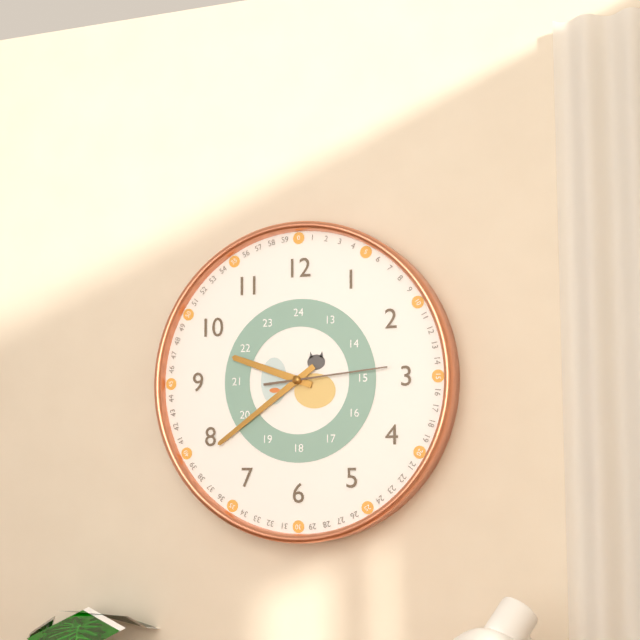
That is 9:39:14
